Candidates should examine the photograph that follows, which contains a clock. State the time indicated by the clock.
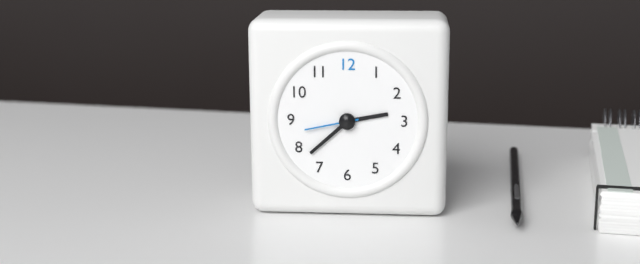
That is 2:38:43
